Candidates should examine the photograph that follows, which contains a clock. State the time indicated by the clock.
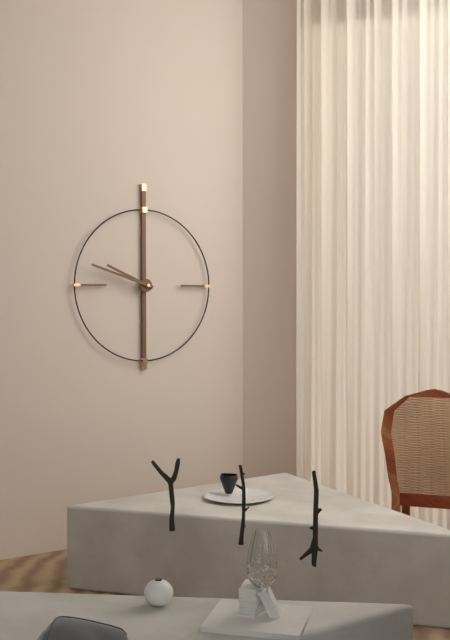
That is 9:48
